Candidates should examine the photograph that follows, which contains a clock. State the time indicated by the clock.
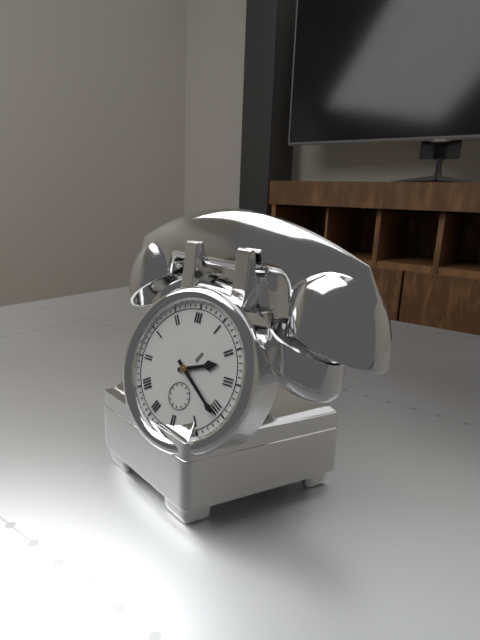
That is 2:21
